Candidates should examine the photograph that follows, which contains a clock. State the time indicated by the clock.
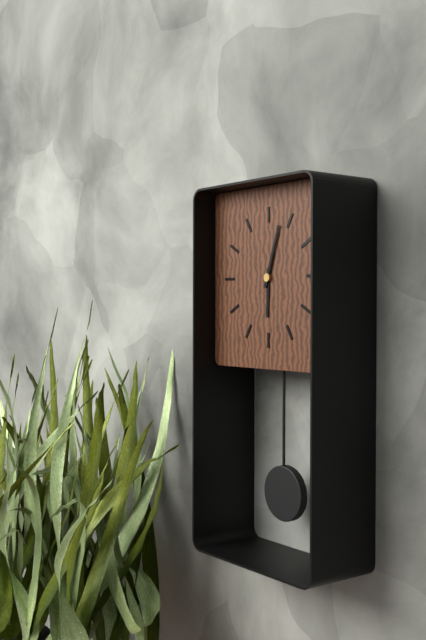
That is 6:03
